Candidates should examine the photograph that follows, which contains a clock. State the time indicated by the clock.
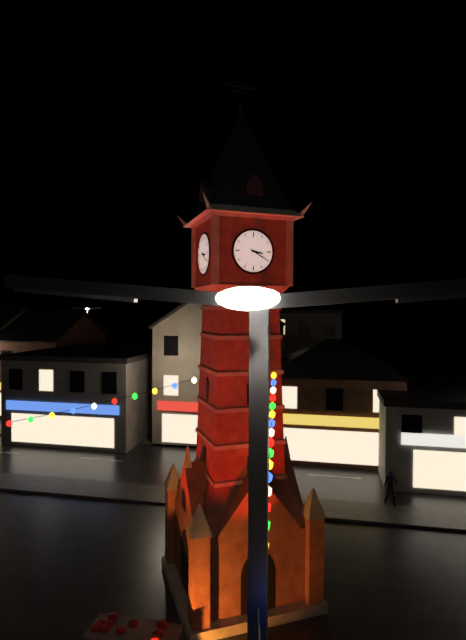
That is 3:20
